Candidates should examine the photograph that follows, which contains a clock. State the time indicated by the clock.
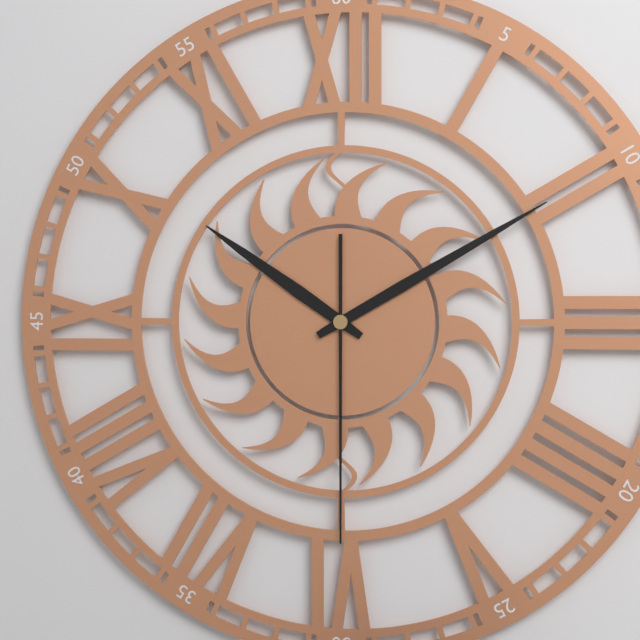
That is 10:10:30
